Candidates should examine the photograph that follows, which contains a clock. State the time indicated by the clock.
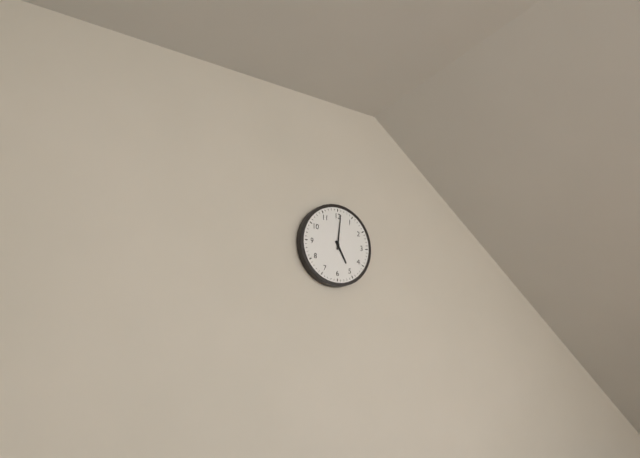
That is 5:01
